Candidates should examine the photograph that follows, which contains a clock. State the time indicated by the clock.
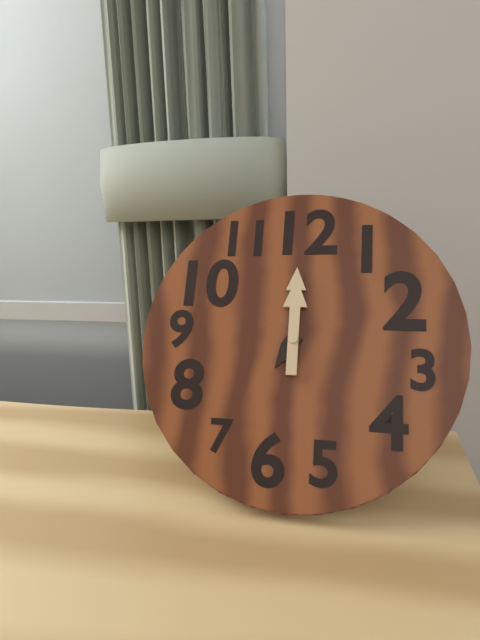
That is 7:00
